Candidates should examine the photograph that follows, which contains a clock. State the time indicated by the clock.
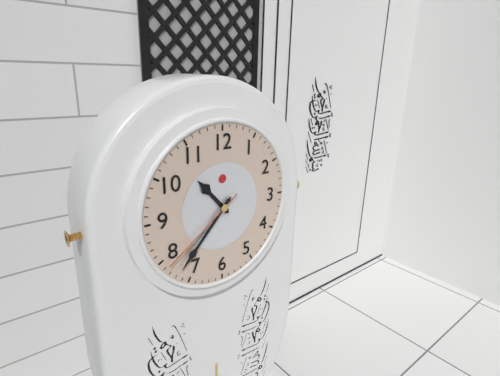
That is 10:37:39
